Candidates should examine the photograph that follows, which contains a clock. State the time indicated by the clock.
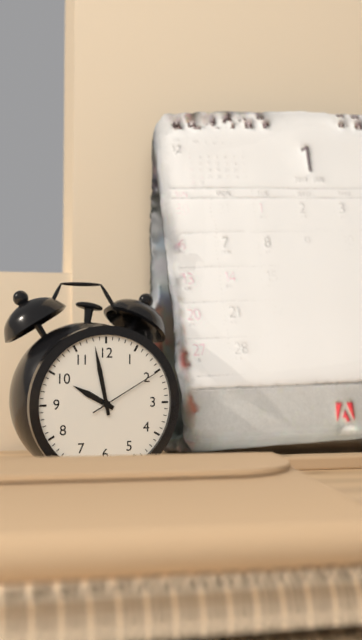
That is 9:58:10
